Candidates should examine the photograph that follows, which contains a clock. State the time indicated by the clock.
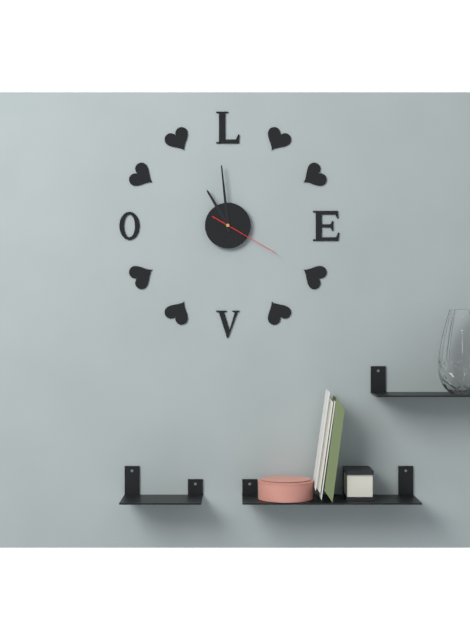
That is 10:59:20
